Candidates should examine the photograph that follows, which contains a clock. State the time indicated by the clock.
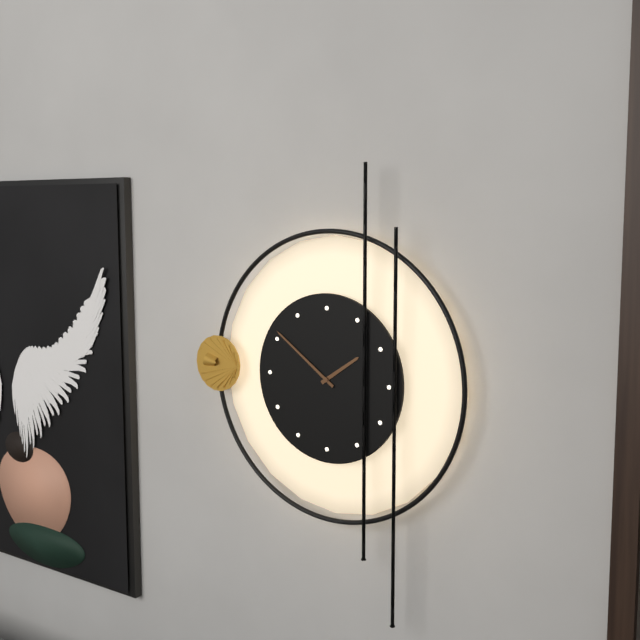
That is 1:51
